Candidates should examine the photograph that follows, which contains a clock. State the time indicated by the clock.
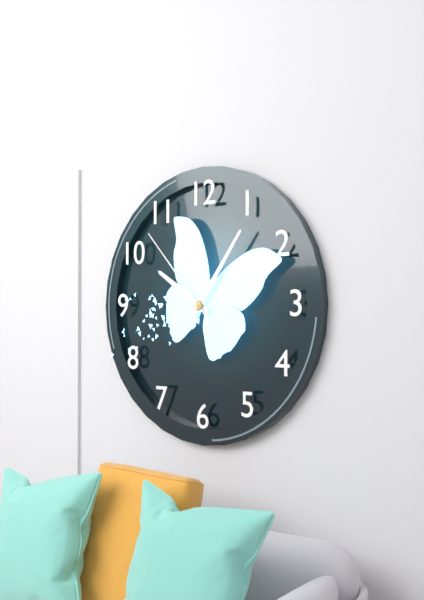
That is 10:06:53
